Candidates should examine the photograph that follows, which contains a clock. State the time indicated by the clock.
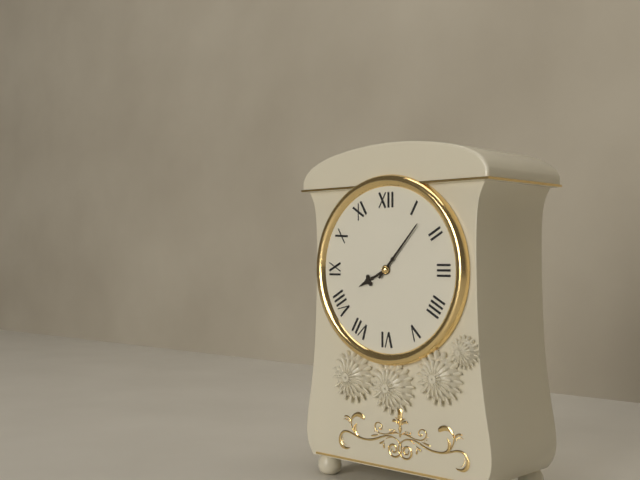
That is 8:07
